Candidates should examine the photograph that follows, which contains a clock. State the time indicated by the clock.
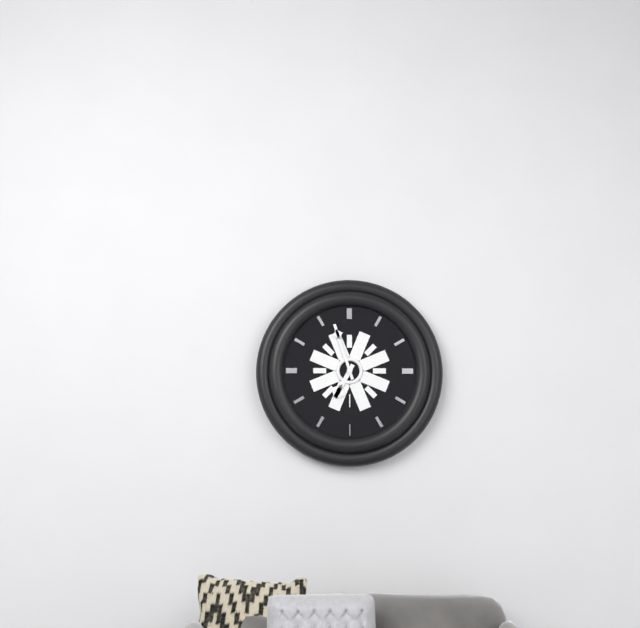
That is 6:57
